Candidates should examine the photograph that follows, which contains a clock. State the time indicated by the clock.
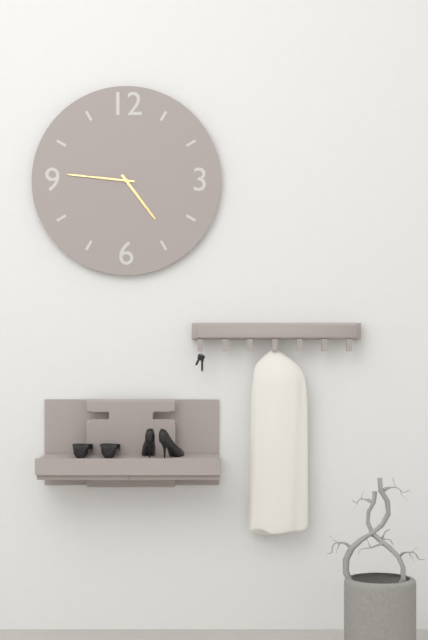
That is 4:46
